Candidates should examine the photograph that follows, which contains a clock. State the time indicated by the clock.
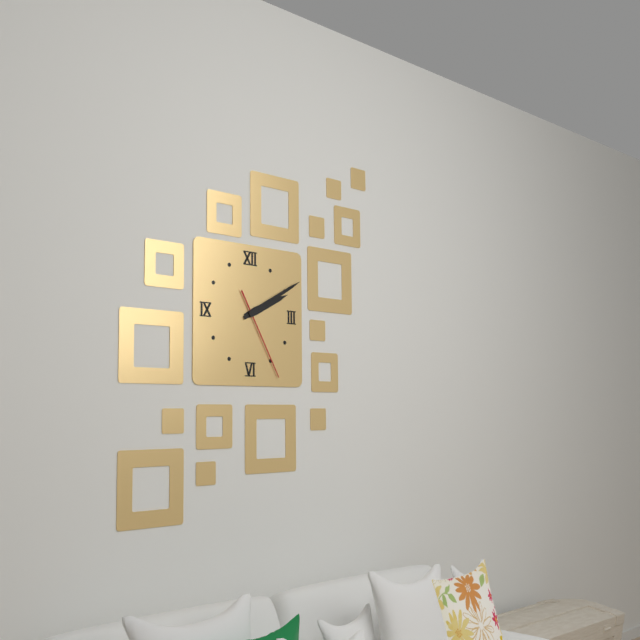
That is 2:10:25
